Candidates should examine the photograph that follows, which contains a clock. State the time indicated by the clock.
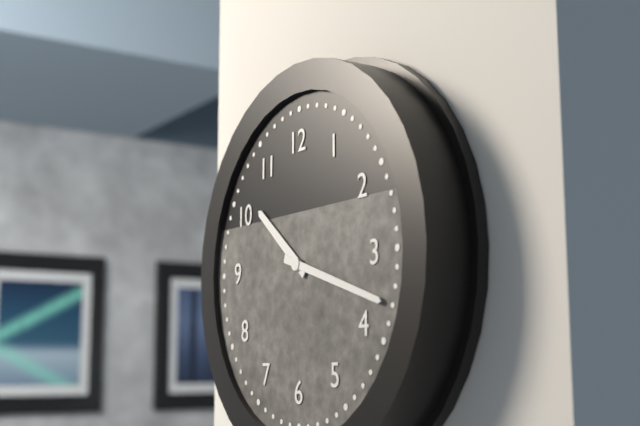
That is 10:18
